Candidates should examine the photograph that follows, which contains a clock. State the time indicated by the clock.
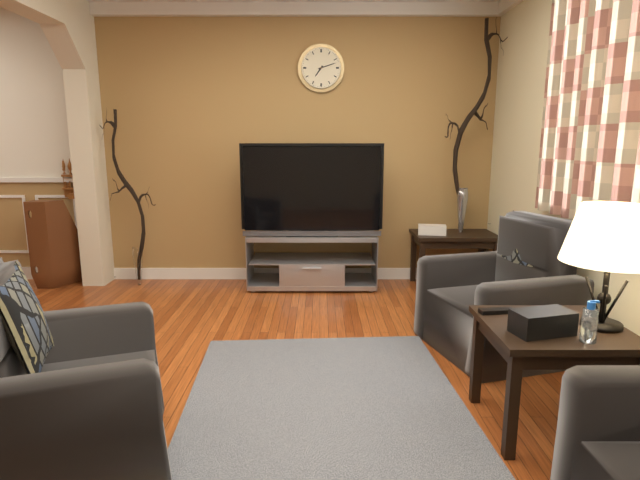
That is 7:12
